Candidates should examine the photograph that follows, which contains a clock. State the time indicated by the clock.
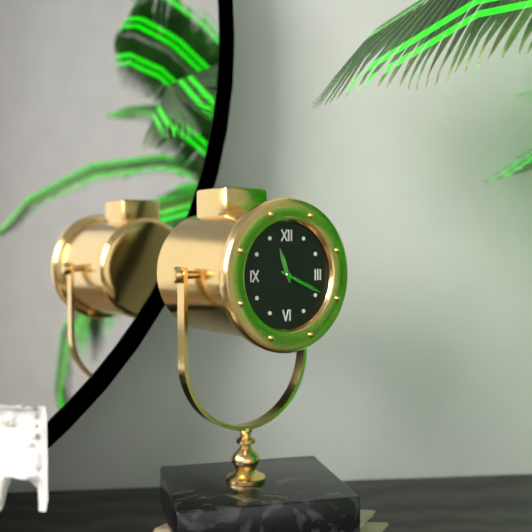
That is 11:19
